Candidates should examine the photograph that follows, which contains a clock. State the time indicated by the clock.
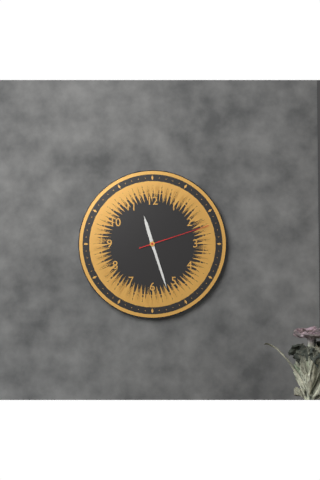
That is 11:27:12
